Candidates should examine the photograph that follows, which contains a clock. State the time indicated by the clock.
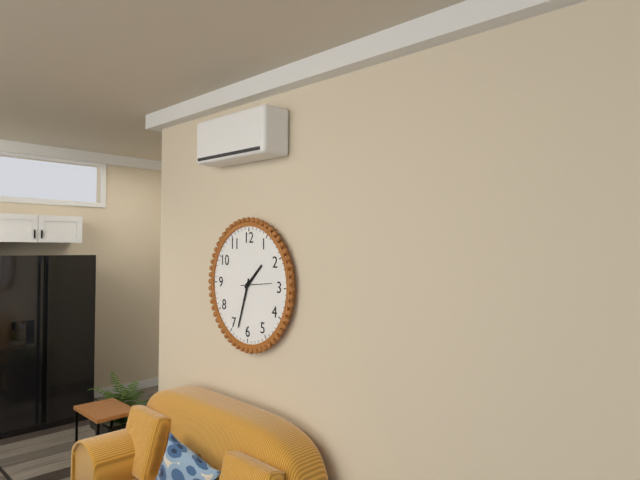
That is 1:33
